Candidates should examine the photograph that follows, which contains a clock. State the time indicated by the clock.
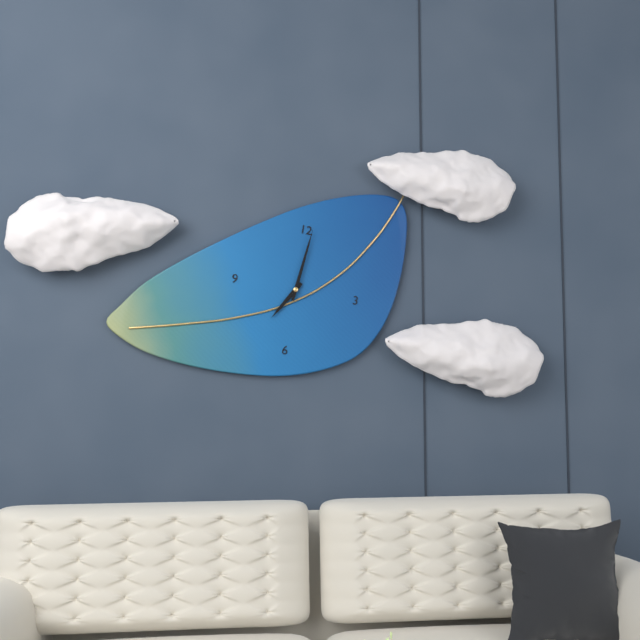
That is 7:01
